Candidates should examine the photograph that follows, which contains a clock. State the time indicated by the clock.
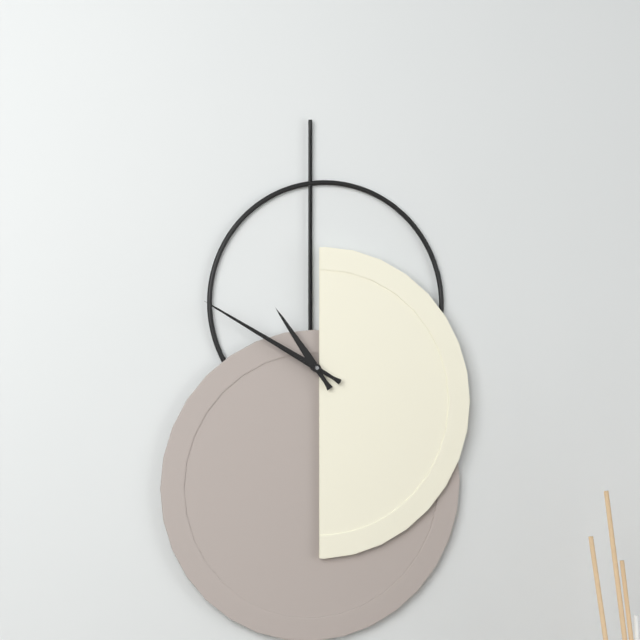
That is 10:50:50
